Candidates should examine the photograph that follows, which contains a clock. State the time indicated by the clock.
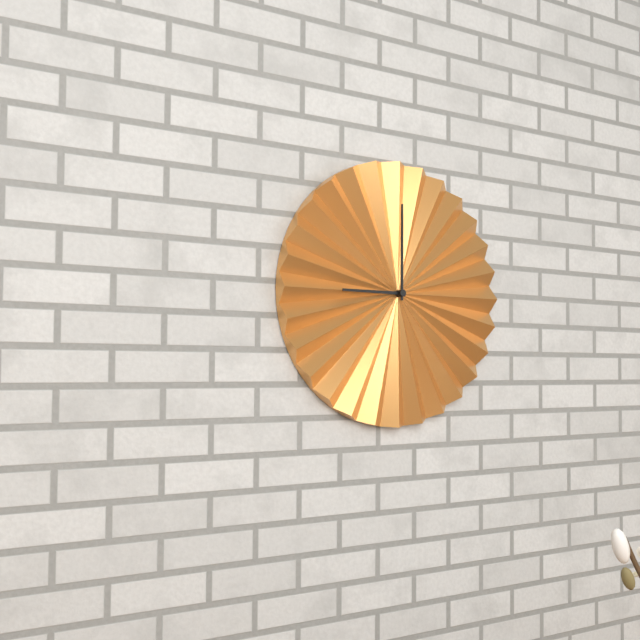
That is 9:00
